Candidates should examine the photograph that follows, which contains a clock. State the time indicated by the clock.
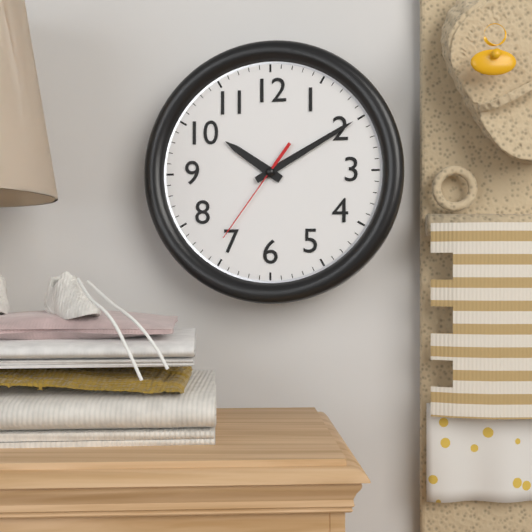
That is 10:10:36
